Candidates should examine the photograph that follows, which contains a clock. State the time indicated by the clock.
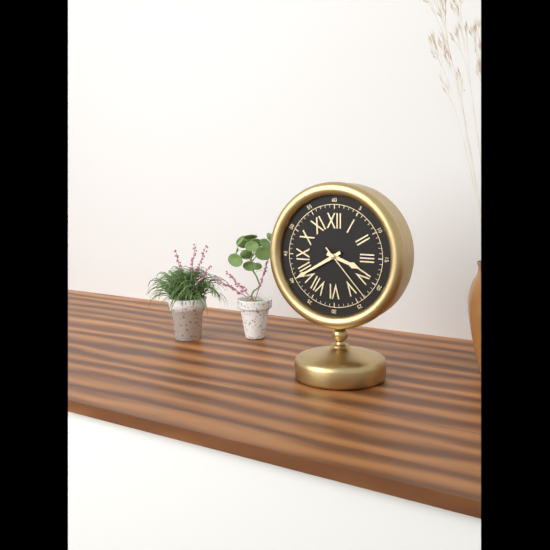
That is 3:40:23
